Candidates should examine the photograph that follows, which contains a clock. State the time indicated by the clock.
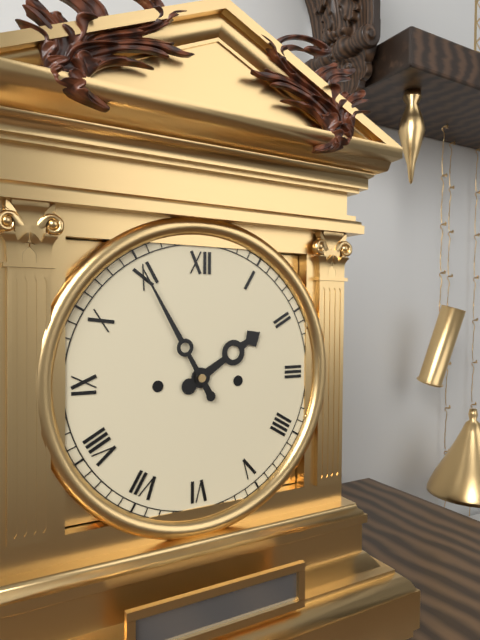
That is 1:55
